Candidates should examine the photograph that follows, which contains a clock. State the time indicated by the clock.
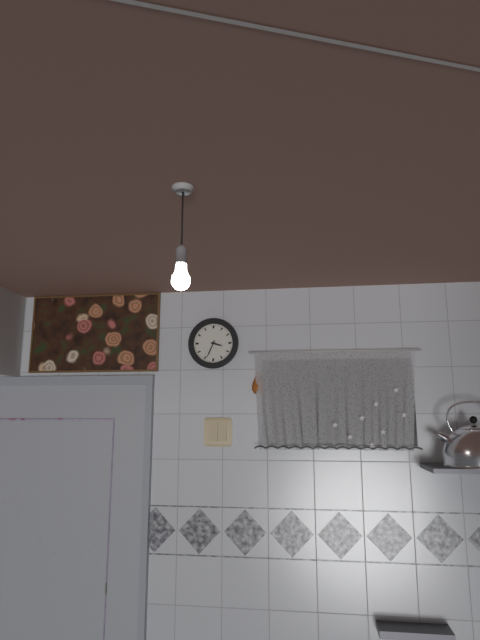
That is 3:34
